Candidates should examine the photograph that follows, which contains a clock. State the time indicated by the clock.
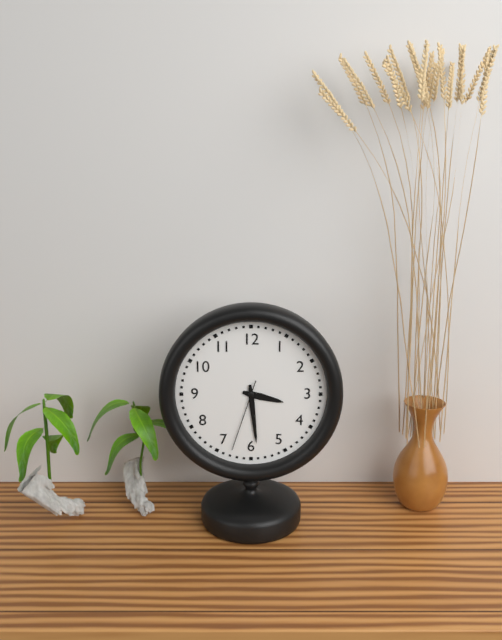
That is 3:29:33
